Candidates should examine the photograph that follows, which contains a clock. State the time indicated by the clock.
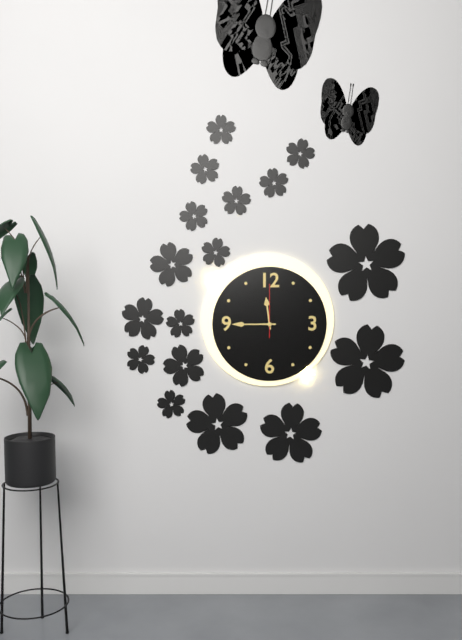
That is 11:45:00
